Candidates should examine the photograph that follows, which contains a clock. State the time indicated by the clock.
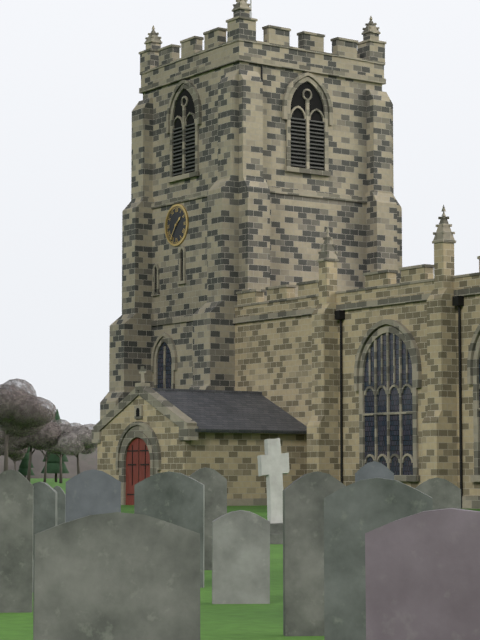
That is 1:36
